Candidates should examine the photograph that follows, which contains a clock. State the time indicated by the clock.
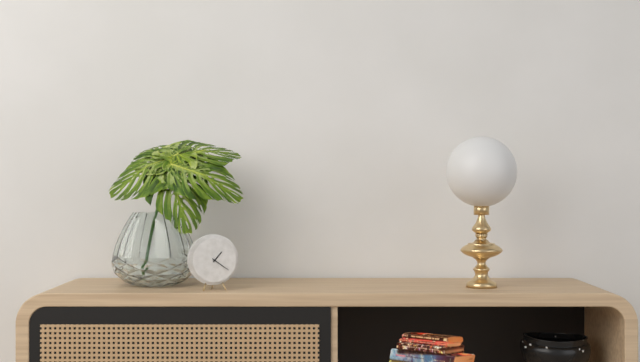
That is 1:21
